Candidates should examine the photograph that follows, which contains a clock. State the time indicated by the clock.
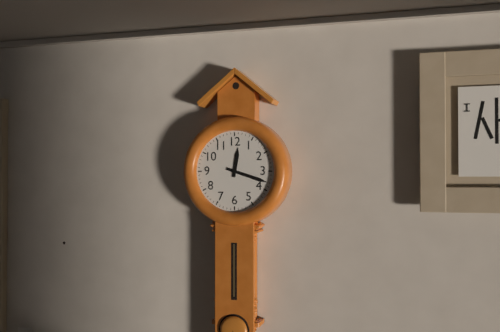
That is 12:18
